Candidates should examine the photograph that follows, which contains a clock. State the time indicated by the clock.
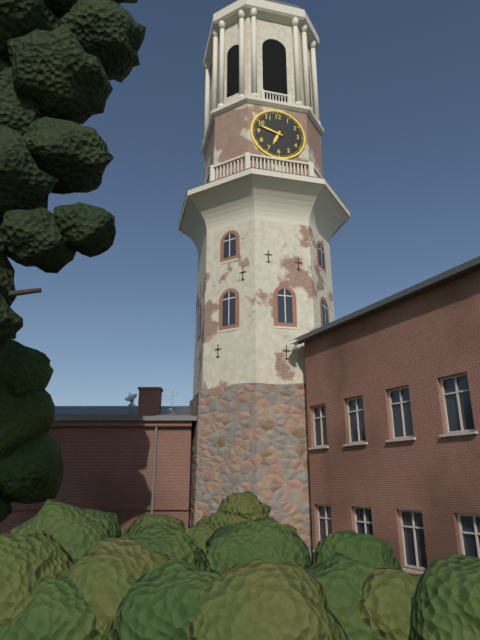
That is 6:48
